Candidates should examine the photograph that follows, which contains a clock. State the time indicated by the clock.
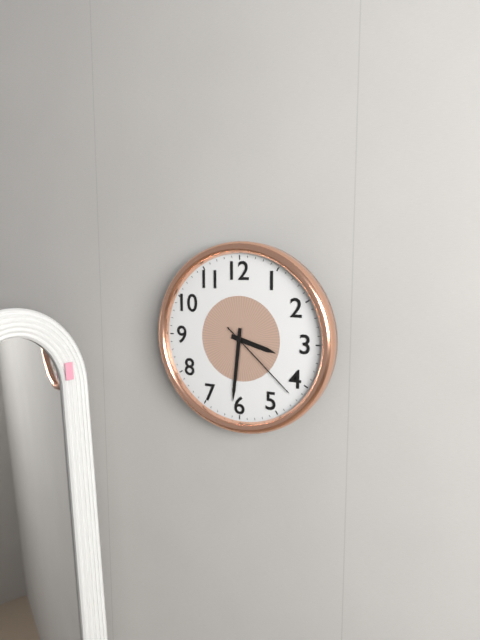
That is 3:31:22
